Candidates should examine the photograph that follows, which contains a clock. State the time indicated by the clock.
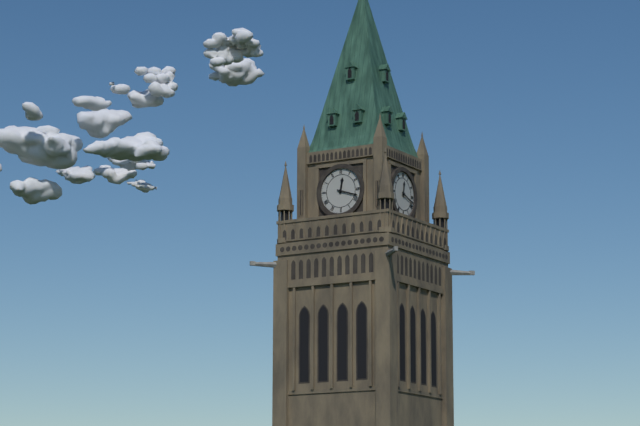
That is 12:18
